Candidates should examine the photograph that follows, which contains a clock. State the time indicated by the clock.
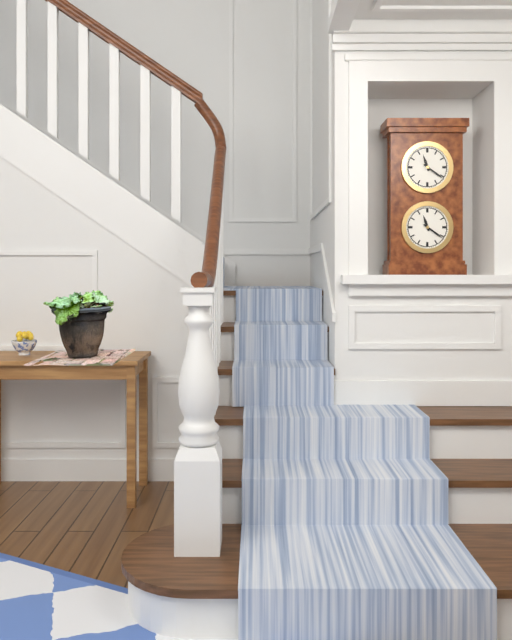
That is 11:21
